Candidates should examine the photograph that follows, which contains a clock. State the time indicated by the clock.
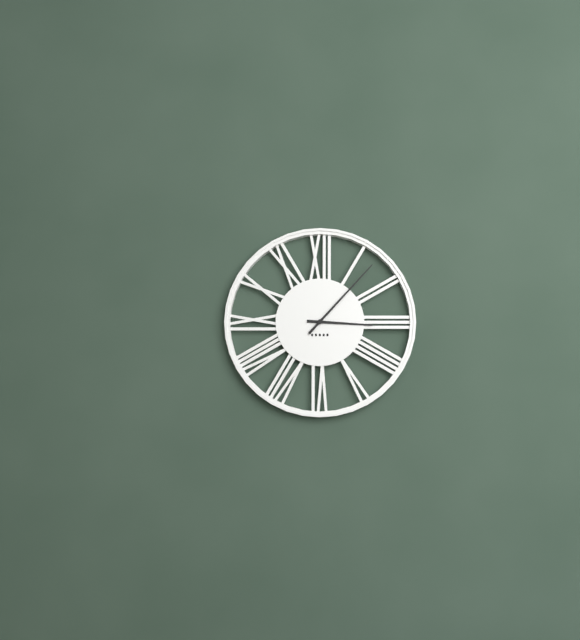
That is 3:07
